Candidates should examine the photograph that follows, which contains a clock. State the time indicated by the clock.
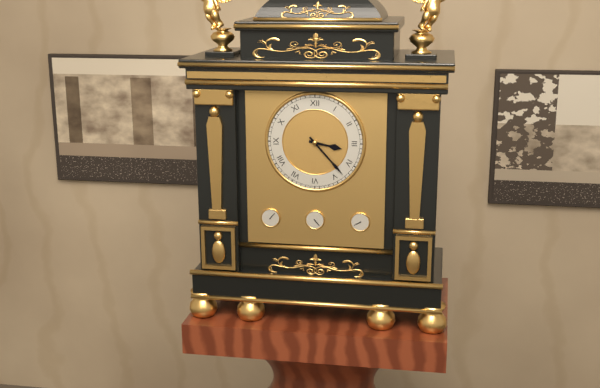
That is 3:23
